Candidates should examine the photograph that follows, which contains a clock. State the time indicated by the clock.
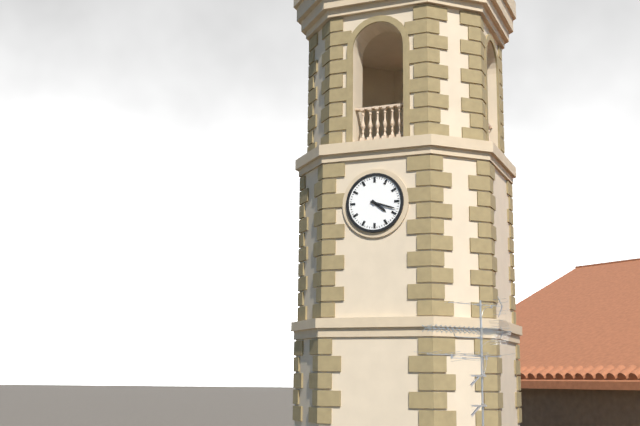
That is 4:18
